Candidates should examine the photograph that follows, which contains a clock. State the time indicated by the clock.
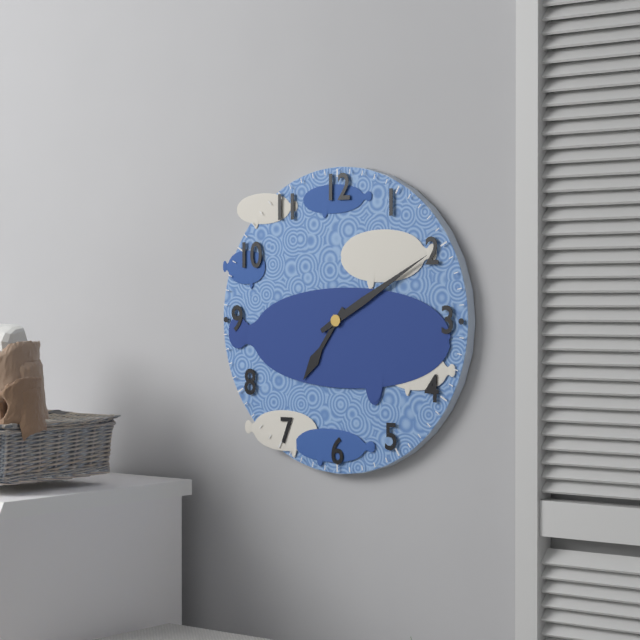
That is 7:10
